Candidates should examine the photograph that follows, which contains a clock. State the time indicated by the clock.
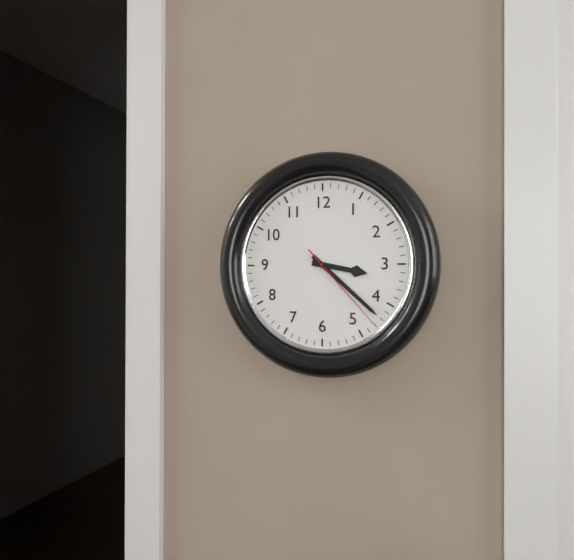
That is 3:22:23
